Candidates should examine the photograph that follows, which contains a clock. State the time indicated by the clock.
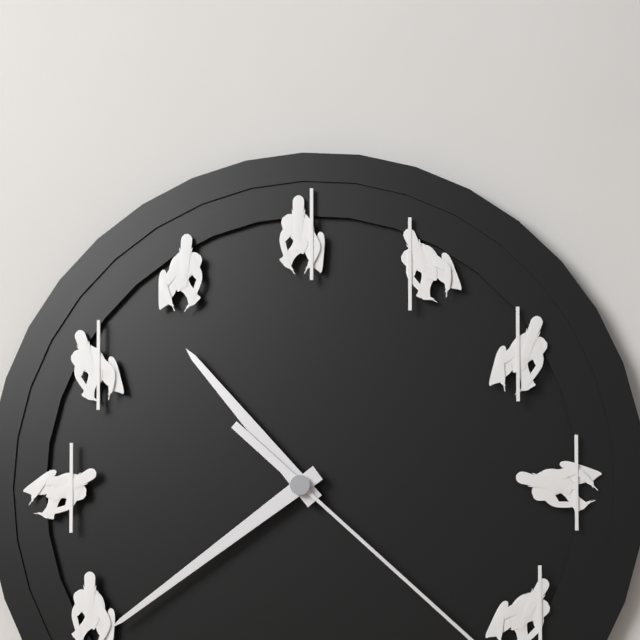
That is 10:39
